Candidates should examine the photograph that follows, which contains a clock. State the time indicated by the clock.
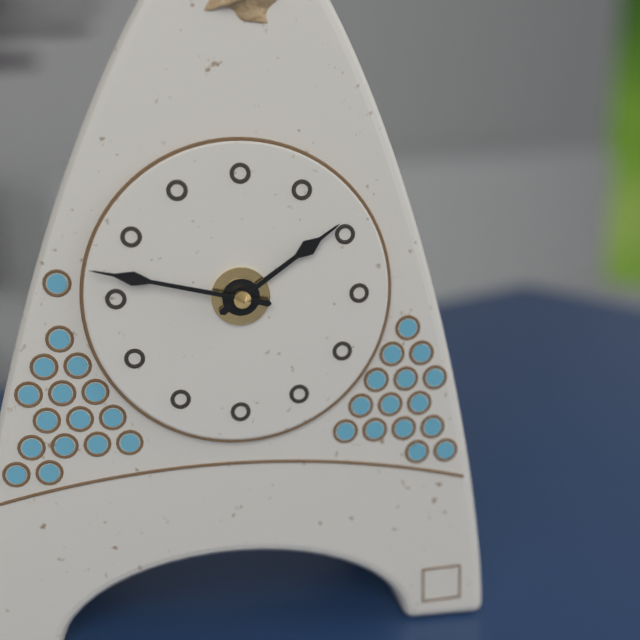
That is 1:47
